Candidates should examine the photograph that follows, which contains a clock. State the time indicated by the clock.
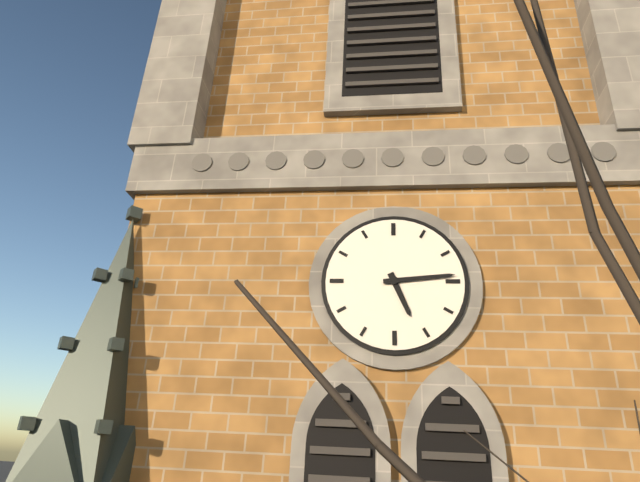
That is 5:14
